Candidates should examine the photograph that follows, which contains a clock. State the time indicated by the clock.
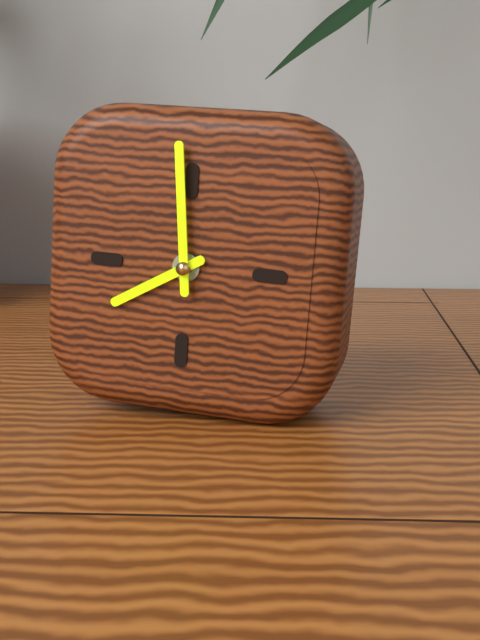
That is 7:59
